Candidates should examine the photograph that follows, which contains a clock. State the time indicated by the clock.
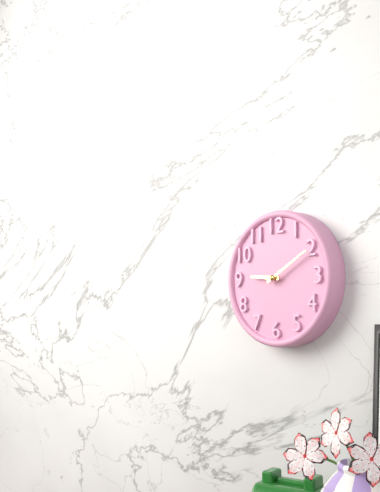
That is 9:10
